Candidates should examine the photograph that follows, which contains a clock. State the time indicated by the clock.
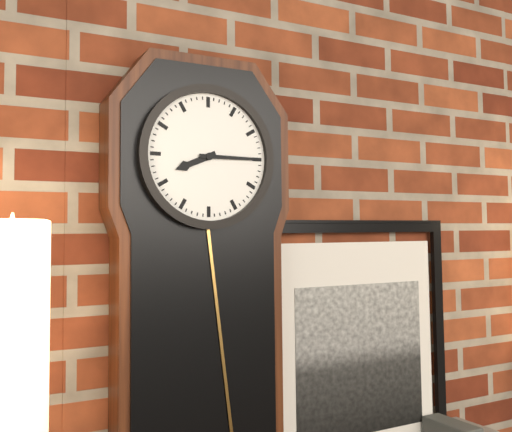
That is 8:15
